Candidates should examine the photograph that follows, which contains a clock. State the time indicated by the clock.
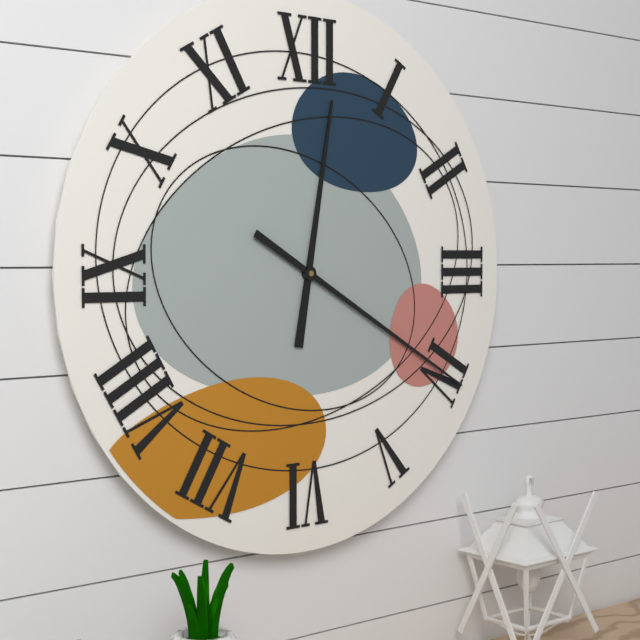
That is 12:20
